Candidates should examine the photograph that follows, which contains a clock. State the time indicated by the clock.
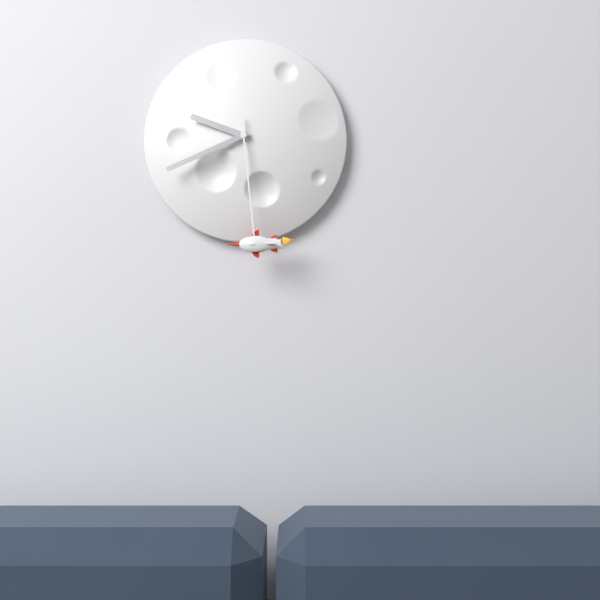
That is 9:41:29
